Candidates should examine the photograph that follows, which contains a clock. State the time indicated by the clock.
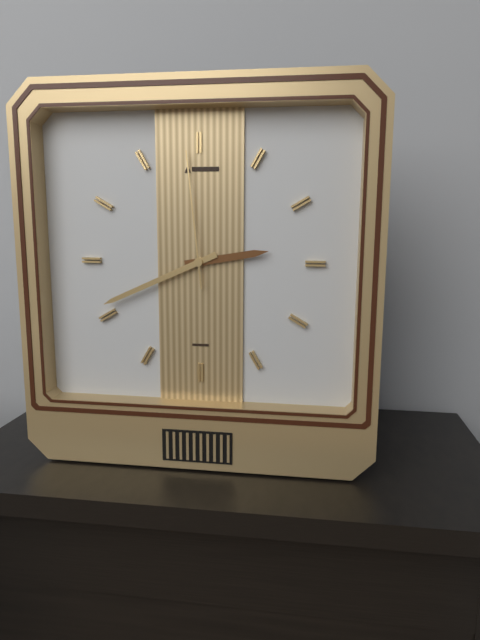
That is 2:41:59
